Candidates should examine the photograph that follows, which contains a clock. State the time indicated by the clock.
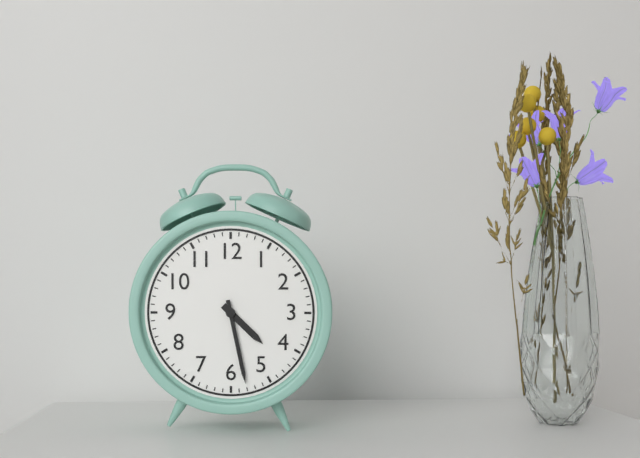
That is 4:28
